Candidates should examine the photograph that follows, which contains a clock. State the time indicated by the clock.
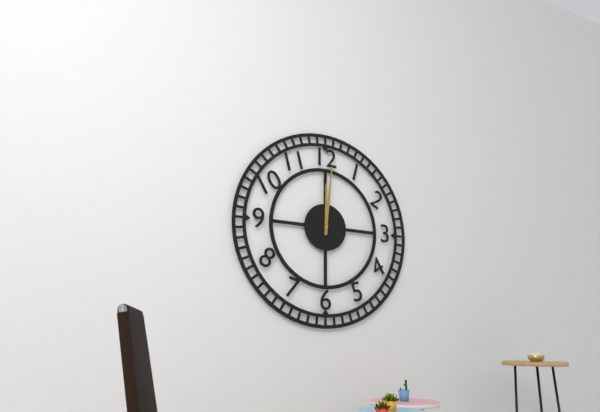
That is 12:01
